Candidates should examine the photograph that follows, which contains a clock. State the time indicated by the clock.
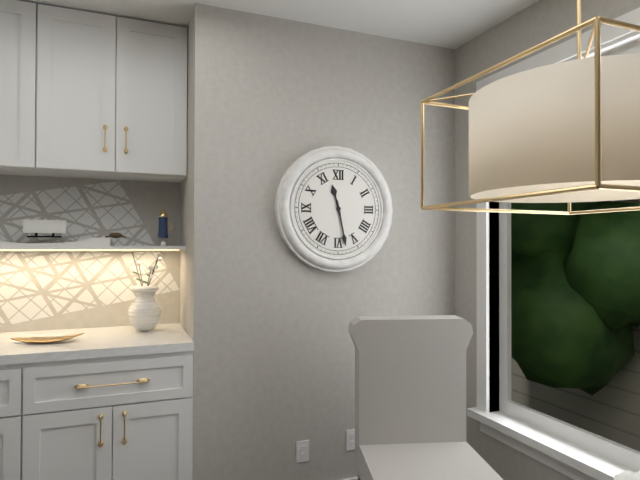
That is 11:28
